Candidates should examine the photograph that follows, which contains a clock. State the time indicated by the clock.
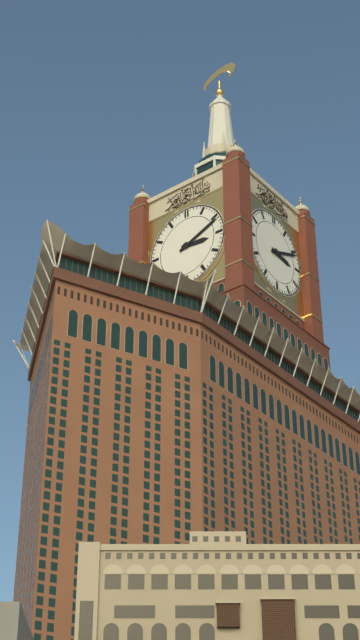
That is 3:11
